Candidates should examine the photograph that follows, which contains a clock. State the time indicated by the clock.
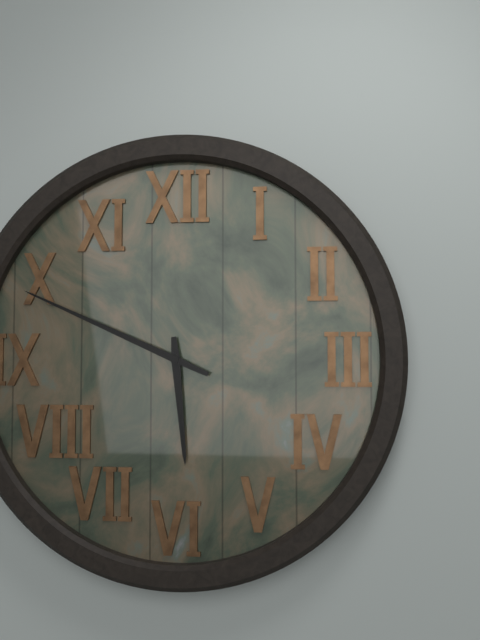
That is 5:49
